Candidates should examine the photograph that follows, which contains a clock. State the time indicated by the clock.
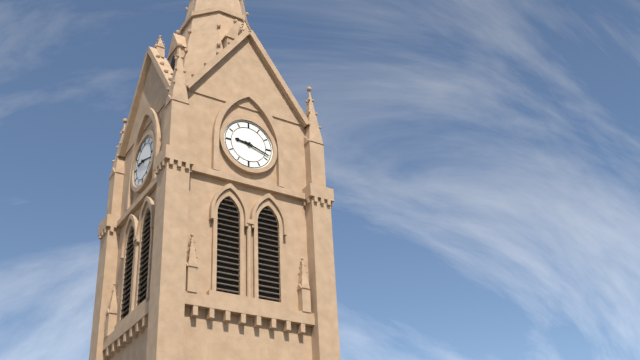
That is 9:18
